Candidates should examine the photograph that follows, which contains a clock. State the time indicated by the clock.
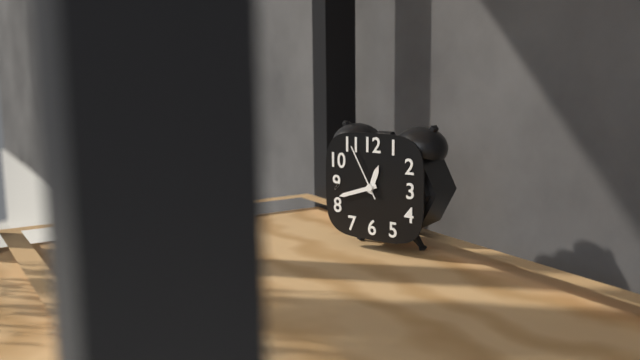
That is 12:42:55
